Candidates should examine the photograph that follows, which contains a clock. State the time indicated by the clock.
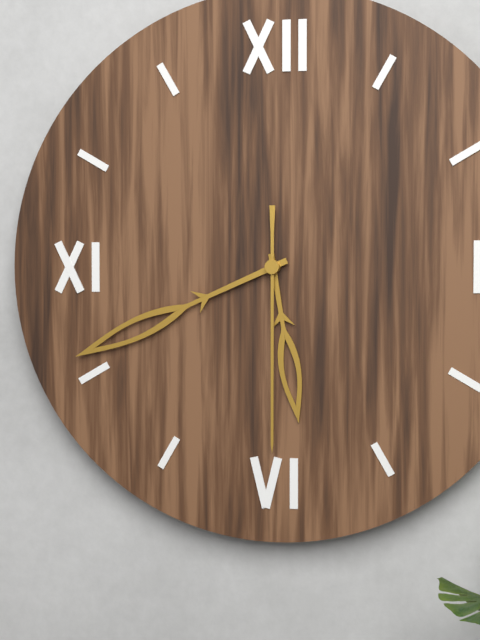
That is 5:41:30
